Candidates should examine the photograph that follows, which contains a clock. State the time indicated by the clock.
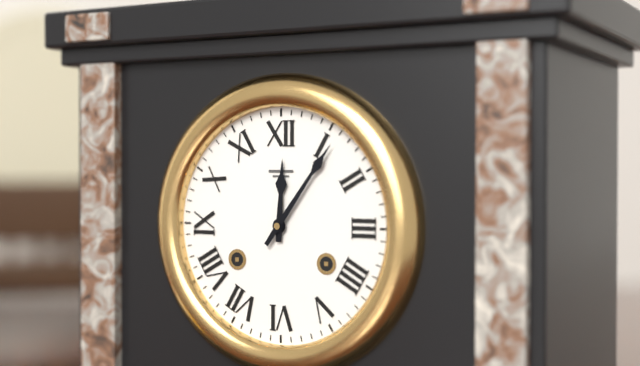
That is 12:06
